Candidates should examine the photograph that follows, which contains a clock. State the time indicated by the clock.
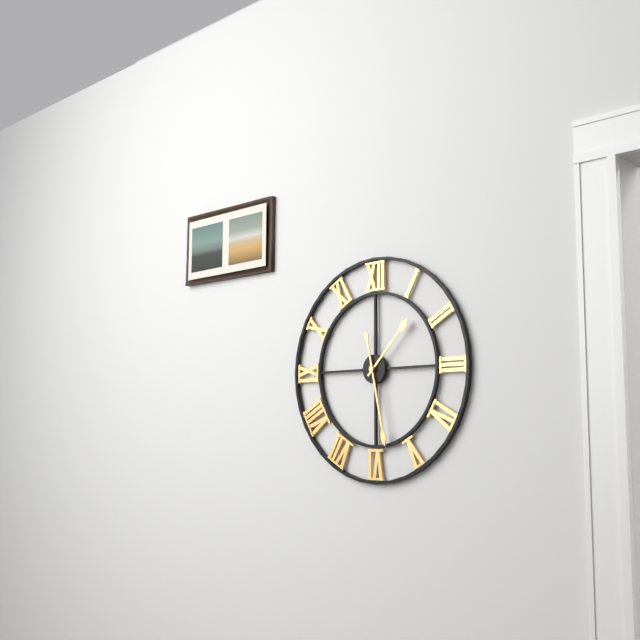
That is 1:28
